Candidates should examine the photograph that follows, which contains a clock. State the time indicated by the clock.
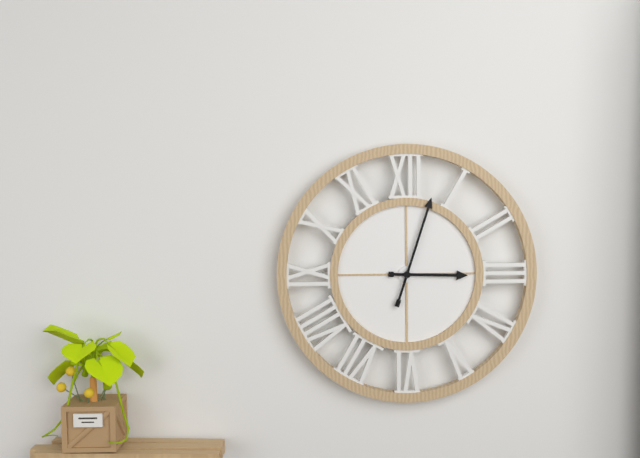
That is 3:03
